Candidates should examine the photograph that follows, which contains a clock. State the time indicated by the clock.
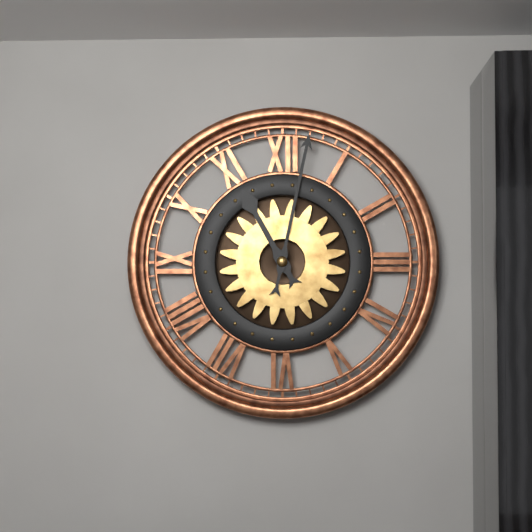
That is 11:02
